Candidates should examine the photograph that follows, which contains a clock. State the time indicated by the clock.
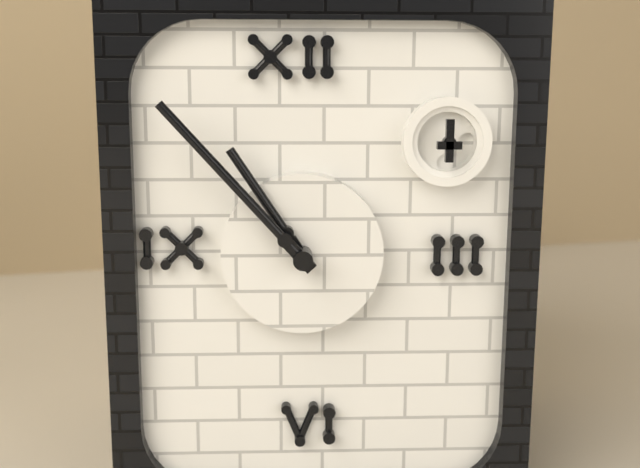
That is 10:53
